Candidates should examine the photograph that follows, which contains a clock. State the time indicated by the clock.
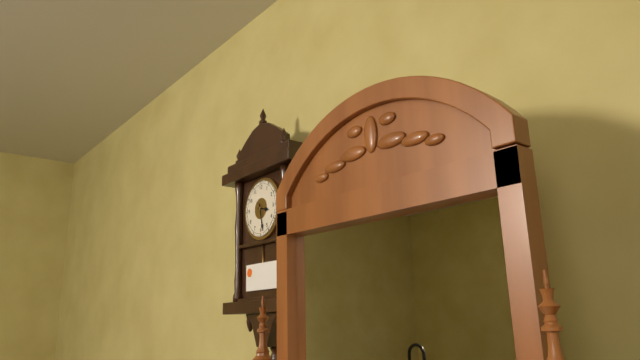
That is 3:28
